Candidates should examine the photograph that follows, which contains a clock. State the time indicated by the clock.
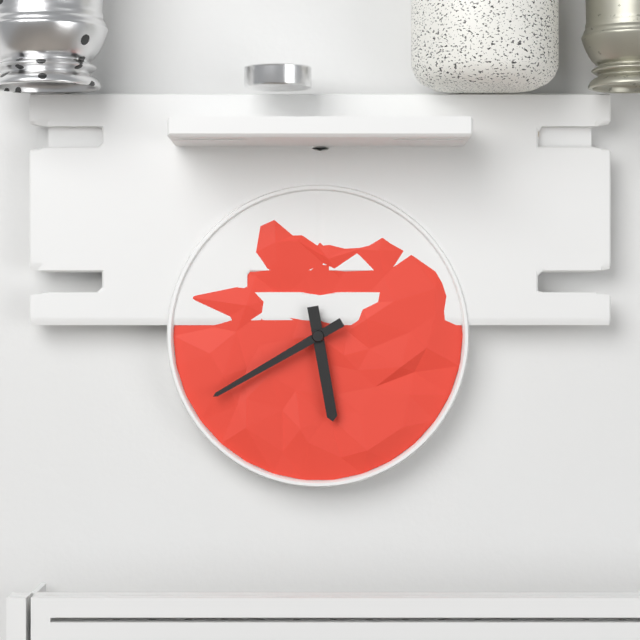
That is 5:40
